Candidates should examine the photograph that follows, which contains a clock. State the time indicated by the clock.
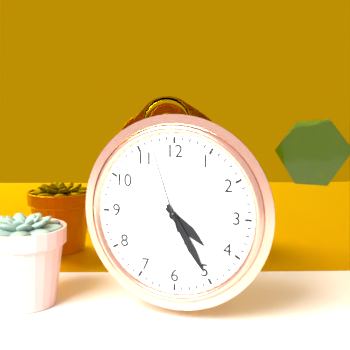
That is 4:25:57
